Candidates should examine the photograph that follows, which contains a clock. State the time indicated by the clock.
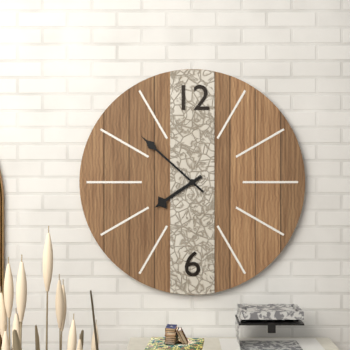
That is 7:52
